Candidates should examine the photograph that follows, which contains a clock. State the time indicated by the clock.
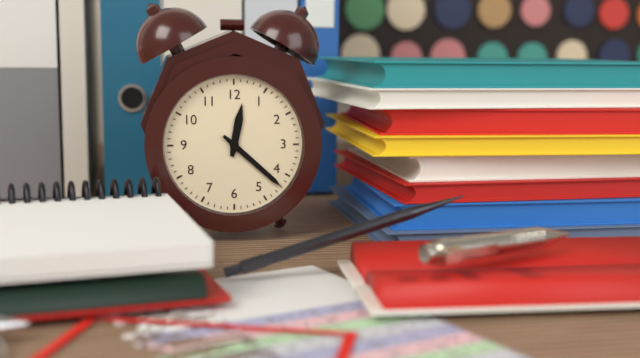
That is 12:22
